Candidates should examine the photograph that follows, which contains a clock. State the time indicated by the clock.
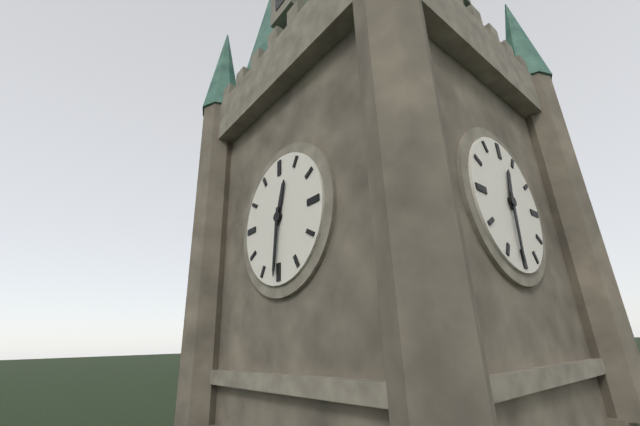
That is 12:31
